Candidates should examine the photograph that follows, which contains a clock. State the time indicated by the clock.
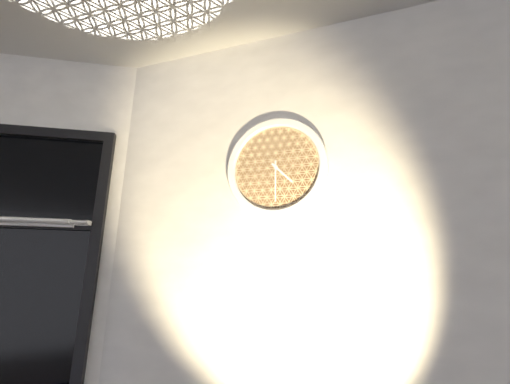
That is 4:30
